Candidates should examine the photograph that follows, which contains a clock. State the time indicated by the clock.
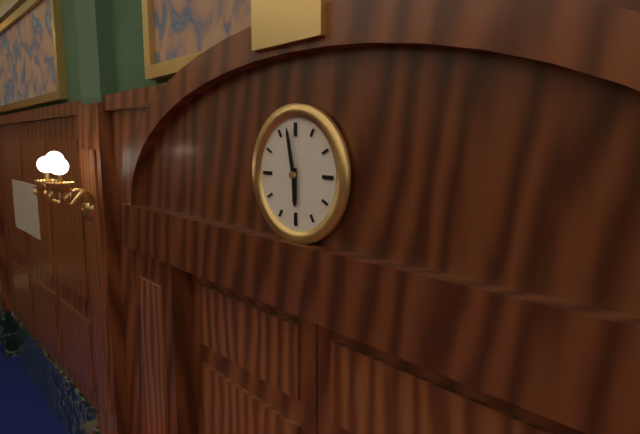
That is 5:58
